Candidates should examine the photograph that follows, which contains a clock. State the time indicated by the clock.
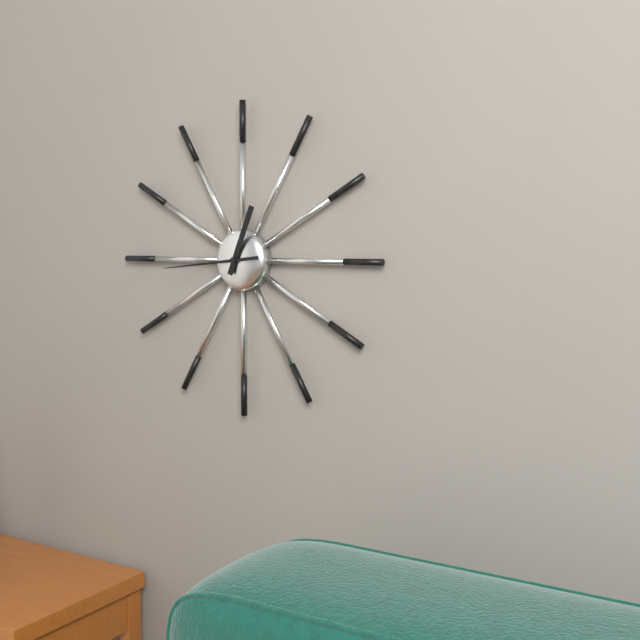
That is 12:44
